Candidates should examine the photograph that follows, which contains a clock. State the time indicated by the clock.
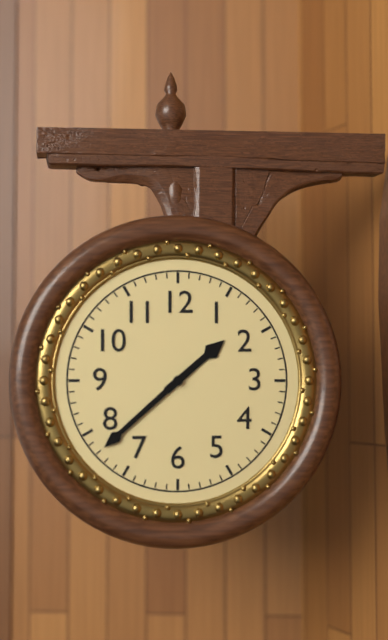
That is 1:38
